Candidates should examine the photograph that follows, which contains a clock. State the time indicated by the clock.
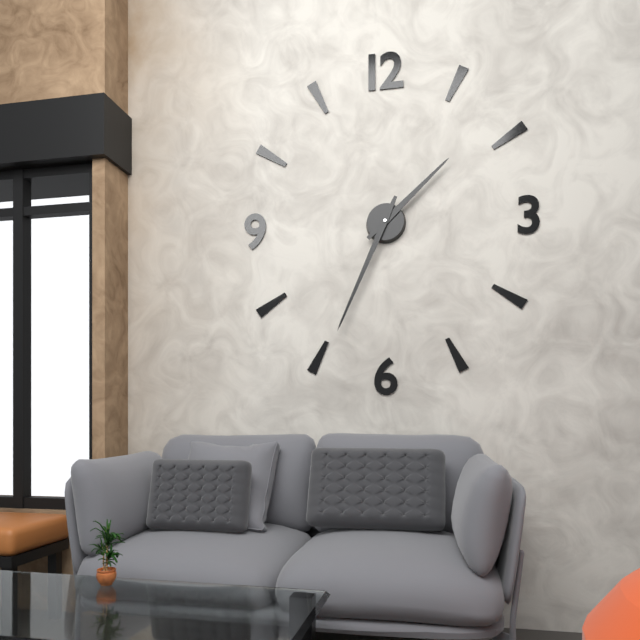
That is 1:34
